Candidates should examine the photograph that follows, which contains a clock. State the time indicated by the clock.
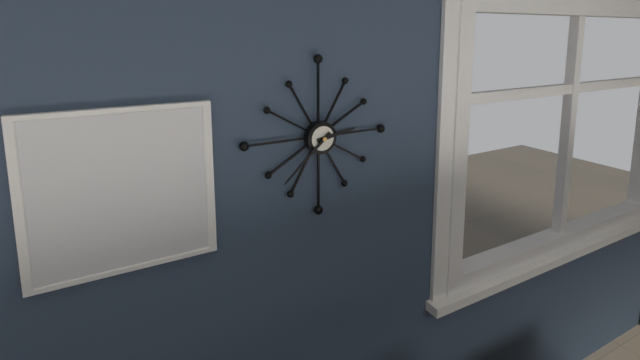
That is 2:38
